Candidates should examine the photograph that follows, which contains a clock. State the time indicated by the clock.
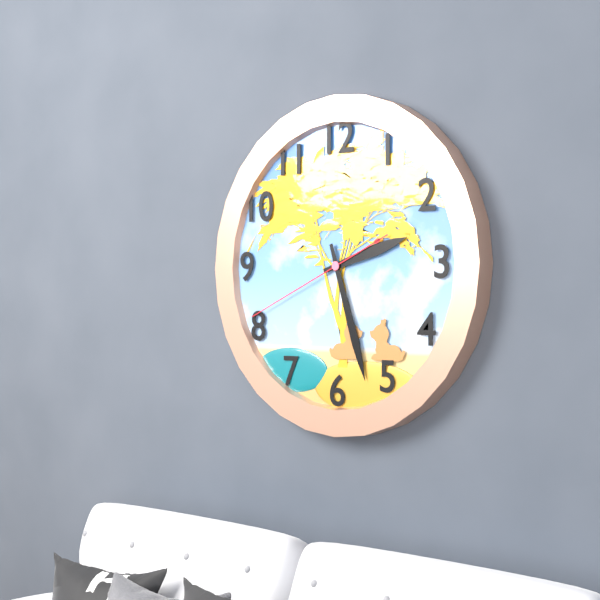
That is 2:27:41
